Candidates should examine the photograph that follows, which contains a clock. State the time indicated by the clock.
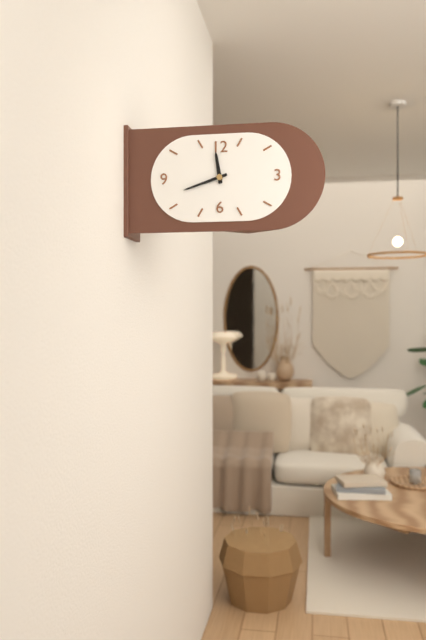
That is 11:42
